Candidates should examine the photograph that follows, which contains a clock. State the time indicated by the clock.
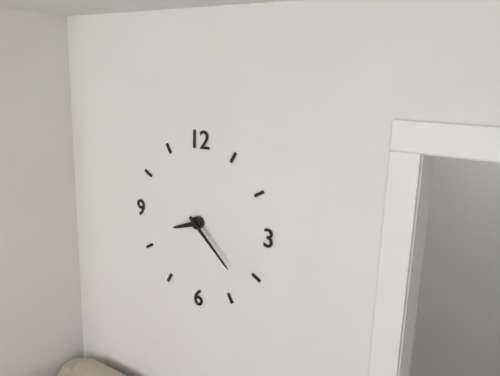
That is 8:22
